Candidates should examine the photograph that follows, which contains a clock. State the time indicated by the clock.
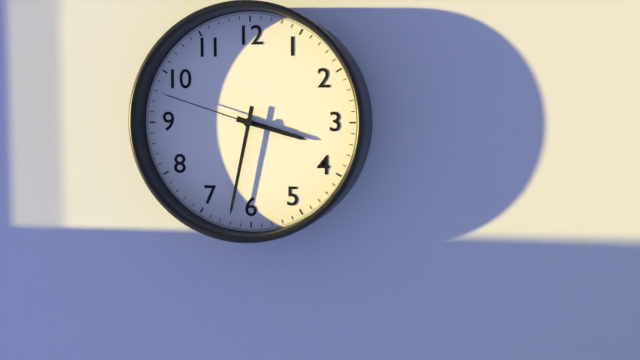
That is 3:32:48
